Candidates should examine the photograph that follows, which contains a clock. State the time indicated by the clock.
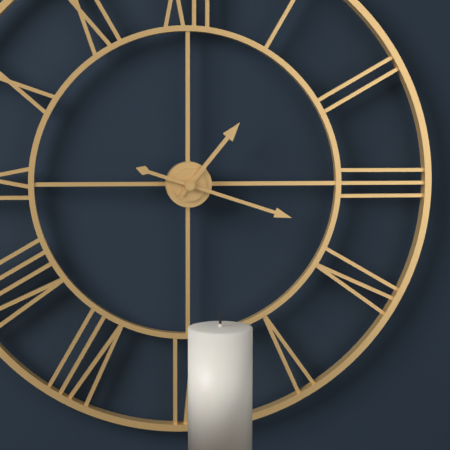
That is 1:18
